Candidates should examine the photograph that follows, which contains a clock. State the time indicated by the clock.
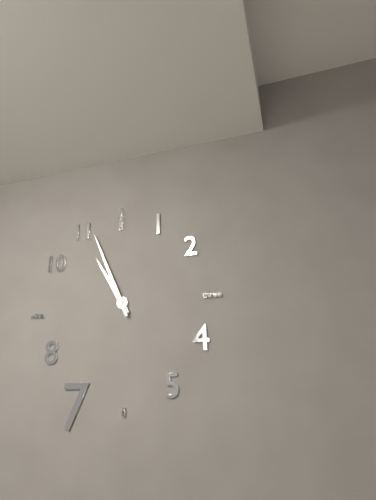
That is 10:56
